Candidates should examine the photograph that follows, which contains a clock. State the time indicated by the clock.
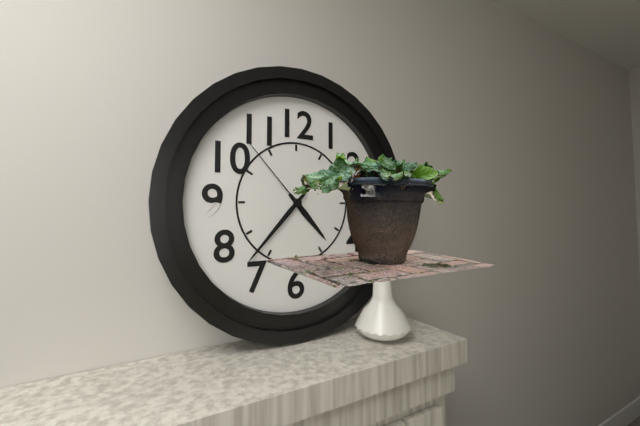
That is 4:37:53
